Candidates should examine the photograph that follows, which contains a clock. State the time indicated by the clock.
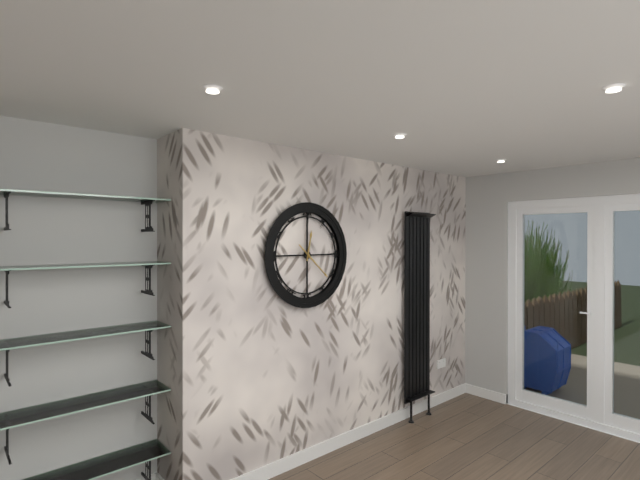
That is 12:22
